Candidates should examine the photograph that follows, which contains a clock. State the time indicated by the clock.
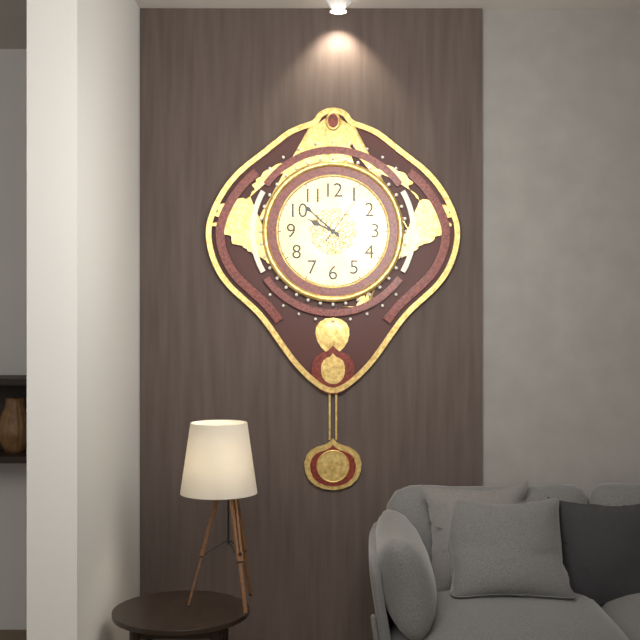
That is 9:52:06
